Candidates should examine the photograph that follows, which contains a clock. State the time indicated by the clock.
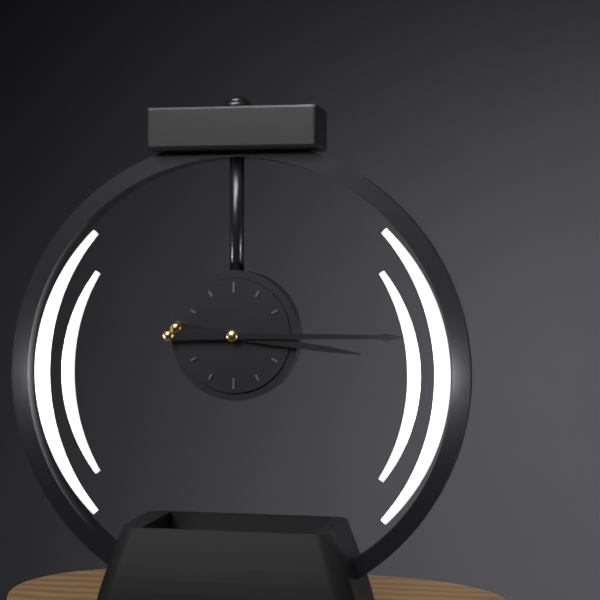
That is 3:15
